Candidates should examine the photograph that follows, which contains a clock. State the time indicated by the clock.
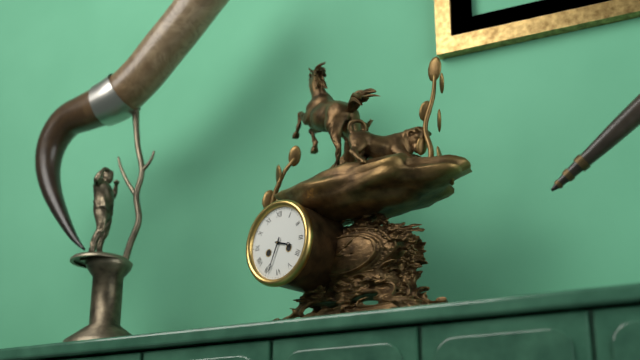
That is 3:34
